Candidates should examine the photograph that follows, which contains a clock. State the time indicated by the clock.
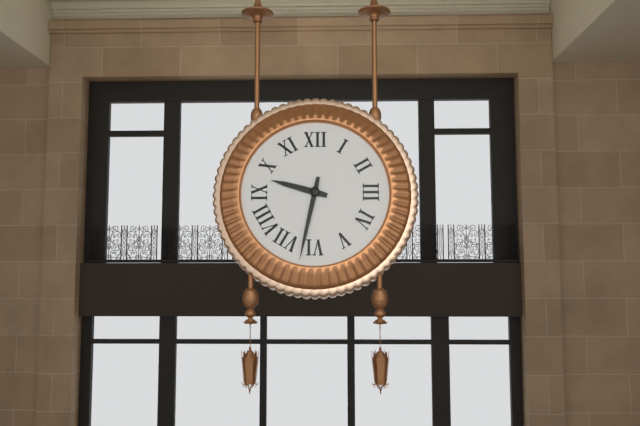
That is 9:32
